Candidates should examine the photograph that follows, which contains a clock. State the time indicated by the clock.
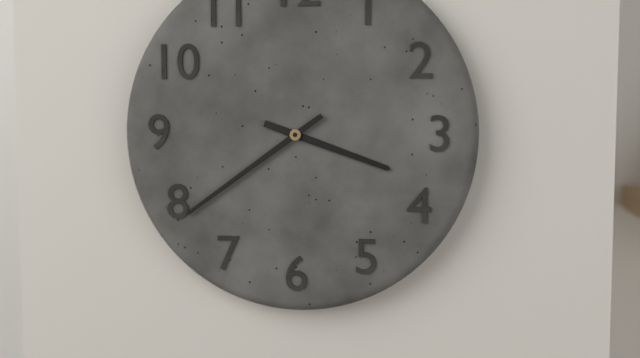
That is 3:39
